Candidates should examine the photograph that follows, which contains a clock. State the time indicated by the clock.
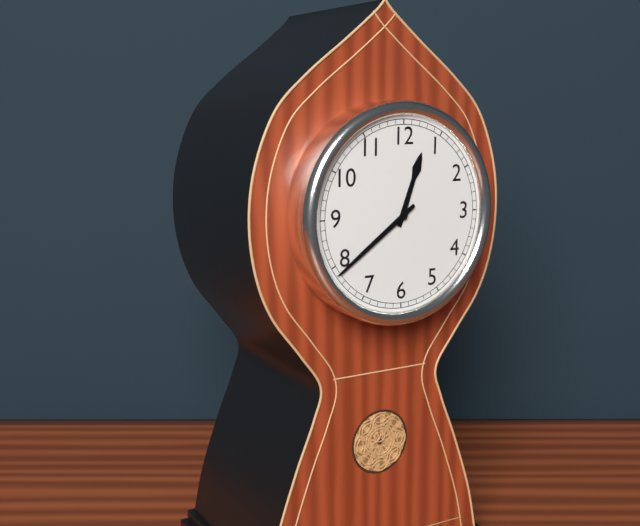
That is 12:39
